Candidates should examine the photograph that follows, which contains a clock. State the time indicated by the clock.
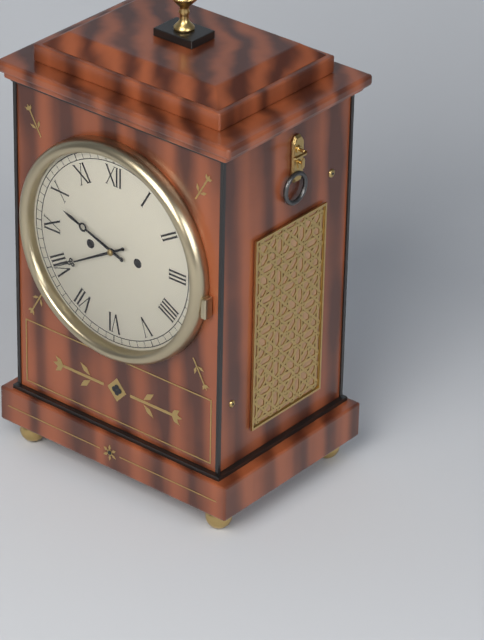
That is 9:40
